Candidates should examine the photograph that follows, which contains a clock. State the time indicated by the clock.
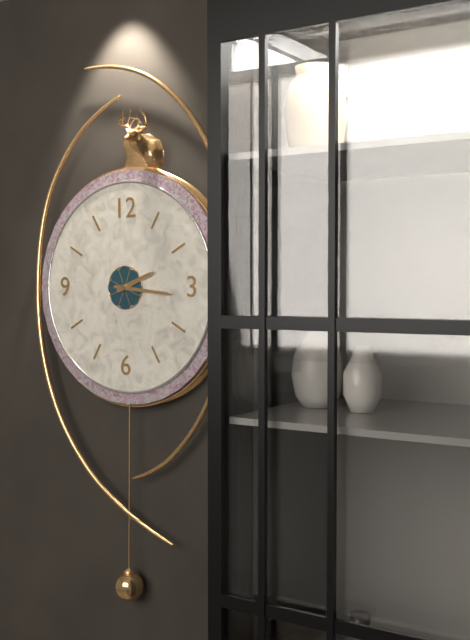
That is 2:16
